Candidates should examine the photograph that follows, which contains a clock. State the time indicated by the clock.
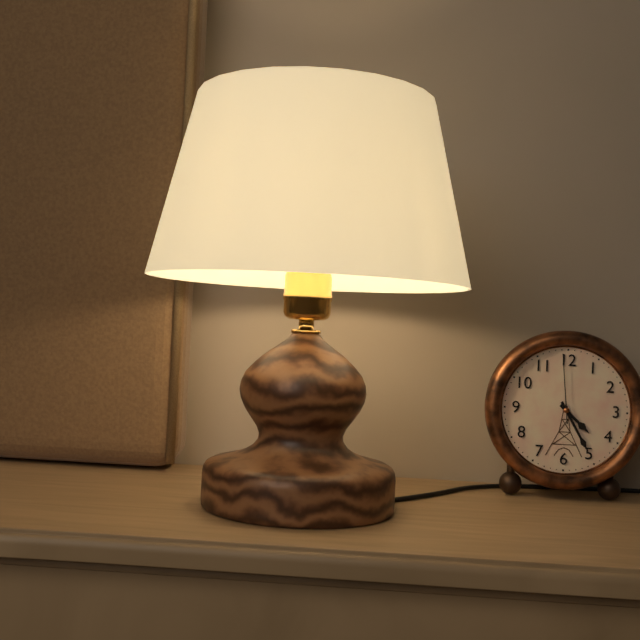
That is 4:25:59
